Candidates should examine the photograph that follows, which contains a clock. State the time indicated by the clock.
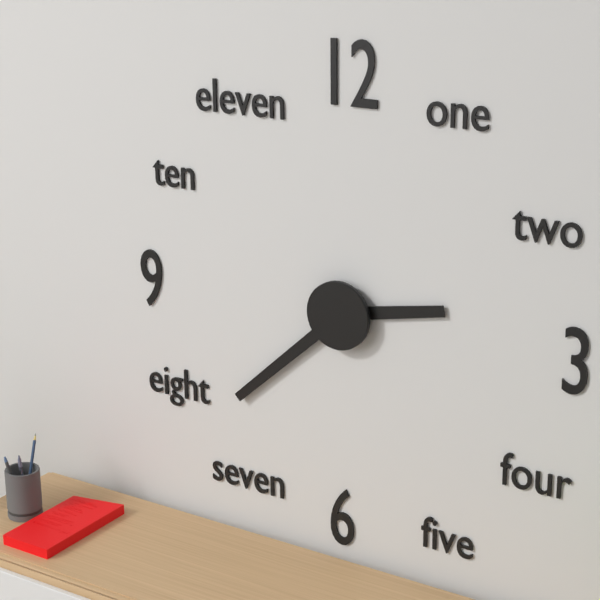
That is 2:38
